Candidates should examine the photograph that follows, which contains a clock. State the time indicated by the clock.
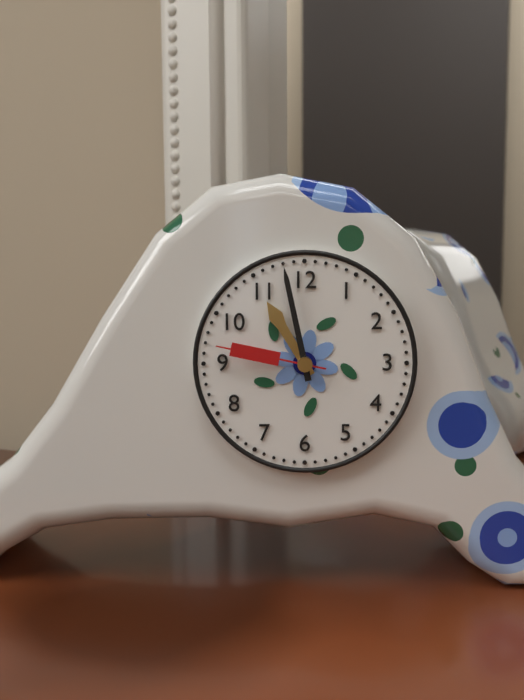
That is 10:58:47
